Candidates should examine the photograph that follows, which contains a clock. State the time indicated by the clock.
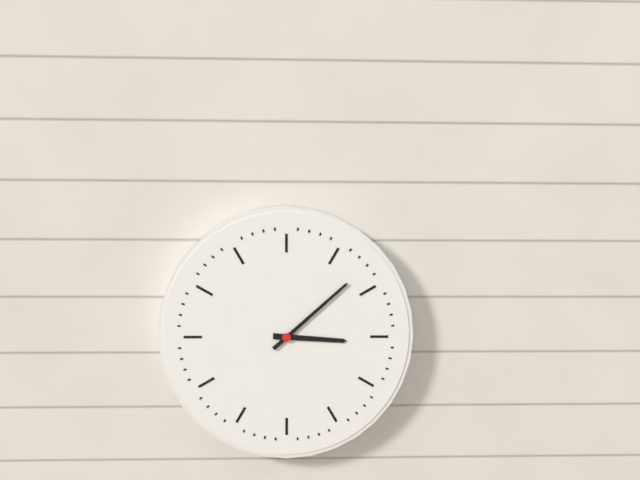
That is 3:08
